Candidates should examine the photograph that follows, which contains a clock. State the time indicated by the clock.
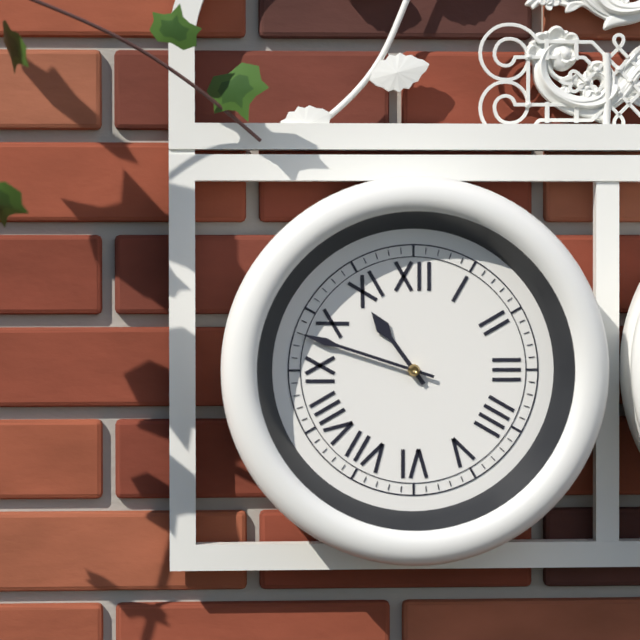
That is 10:48
